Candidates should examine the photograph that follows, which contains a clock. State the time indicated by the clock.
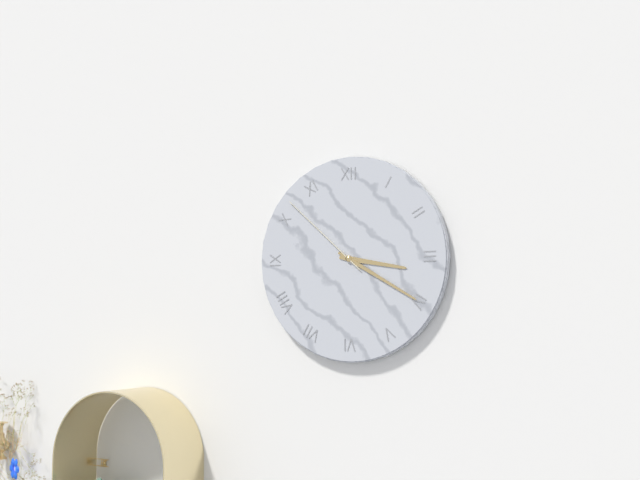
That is 3:20:52
